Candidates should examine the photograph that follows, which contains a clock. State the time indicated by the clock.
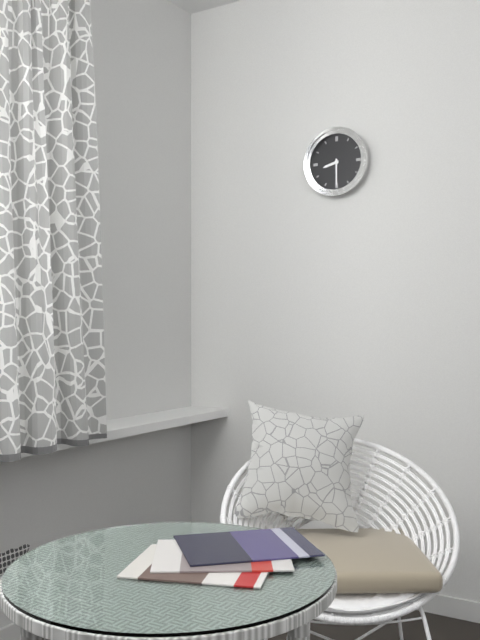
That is 8:30
